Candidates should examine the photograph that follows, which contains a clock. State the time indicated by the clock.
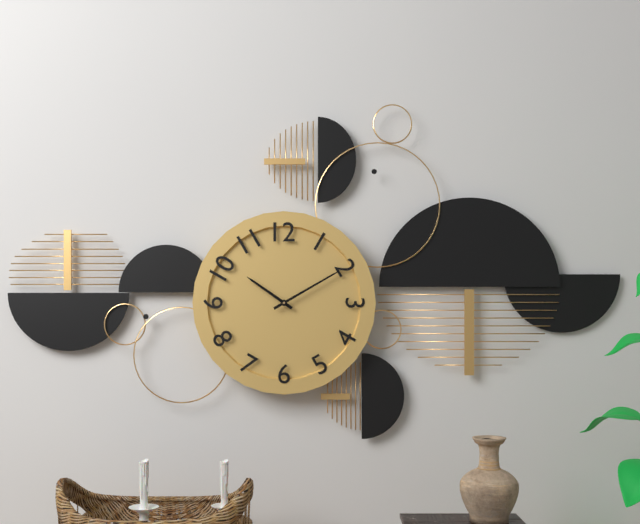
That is 10:10
